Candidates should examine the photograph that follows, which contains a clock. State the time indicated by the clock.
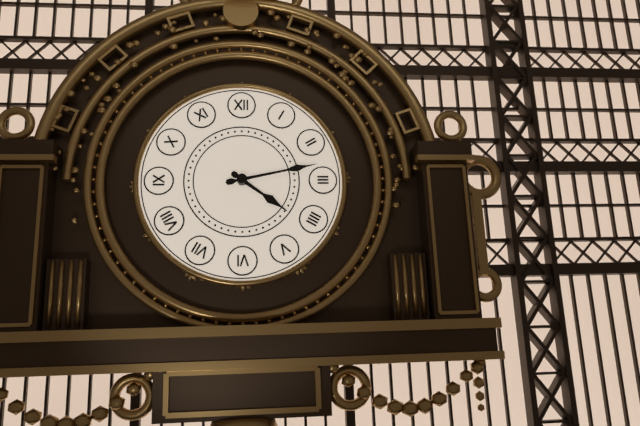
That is 4:13
